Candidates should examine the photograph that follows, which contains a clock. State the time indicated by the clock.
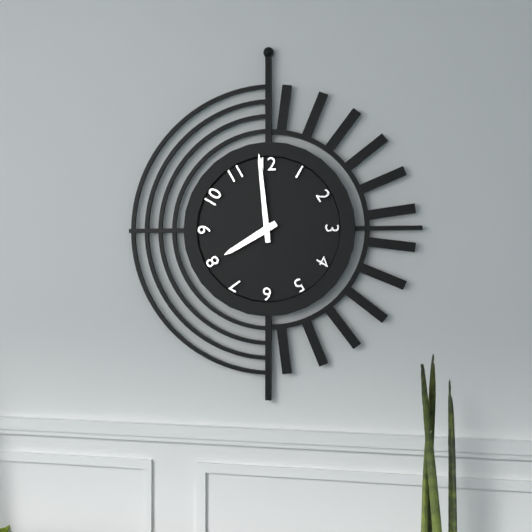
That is 7:59
